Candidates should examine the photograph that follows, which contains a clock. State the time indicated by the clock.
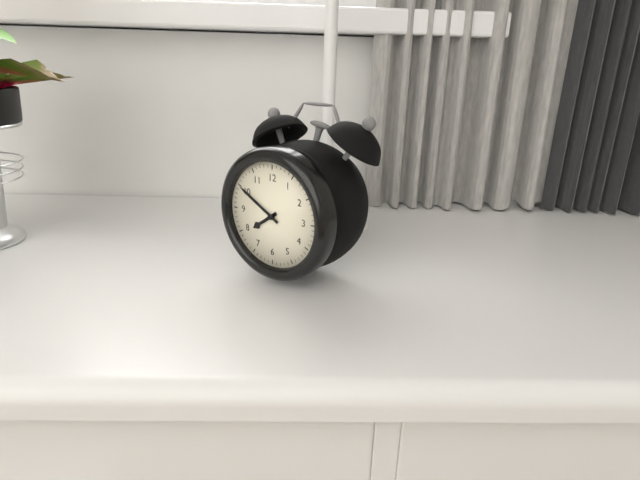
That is 7:50
